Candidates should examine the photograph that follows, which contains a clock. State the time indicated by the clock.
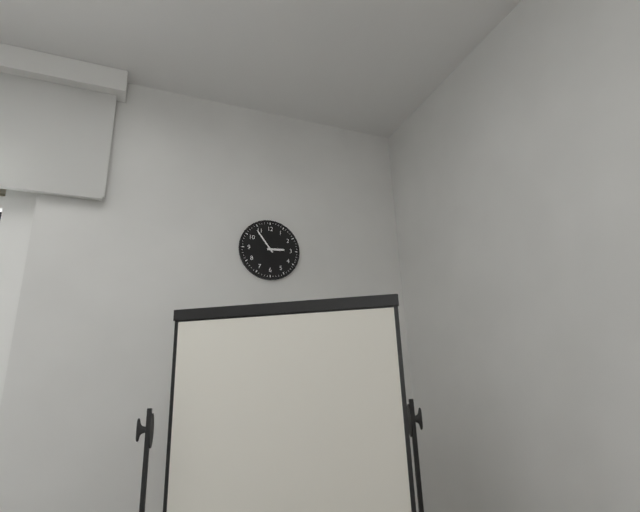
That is 2:54
